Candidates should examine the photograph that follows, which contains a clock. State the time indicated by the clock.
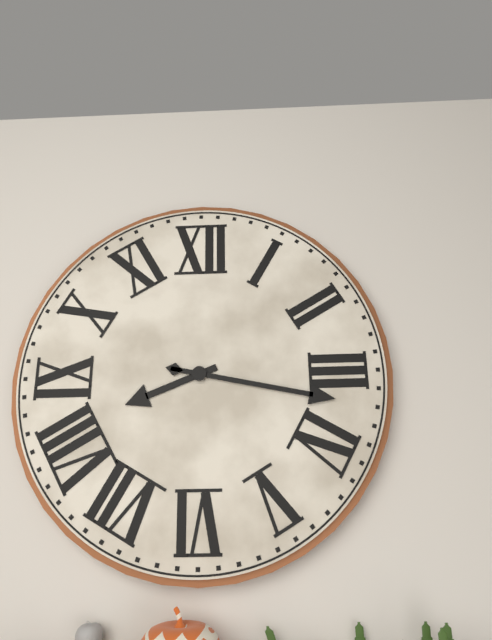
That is 8:17
